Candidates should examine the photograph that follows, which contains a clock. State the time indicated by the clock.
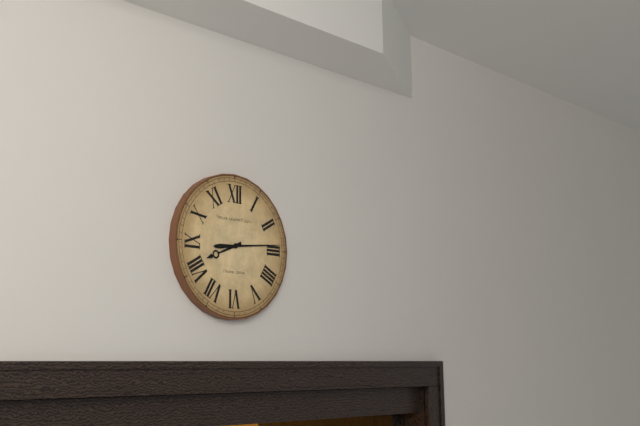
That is 8:14
